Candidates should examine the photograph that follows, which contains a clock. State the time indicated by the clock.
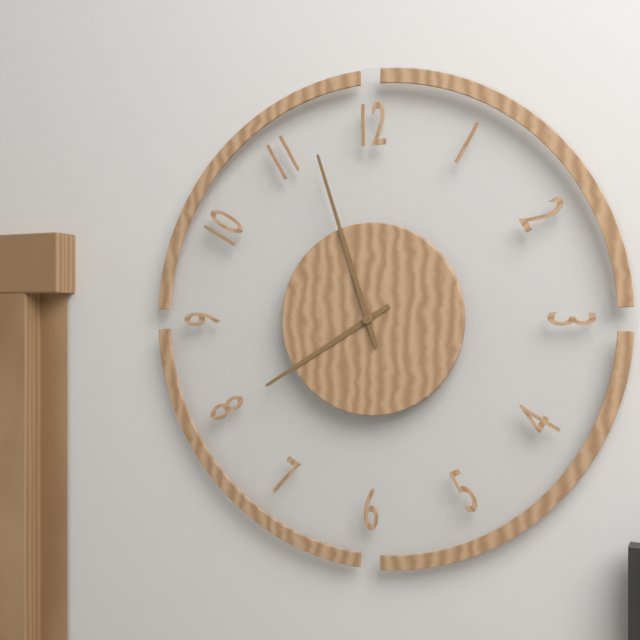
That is 7:57
